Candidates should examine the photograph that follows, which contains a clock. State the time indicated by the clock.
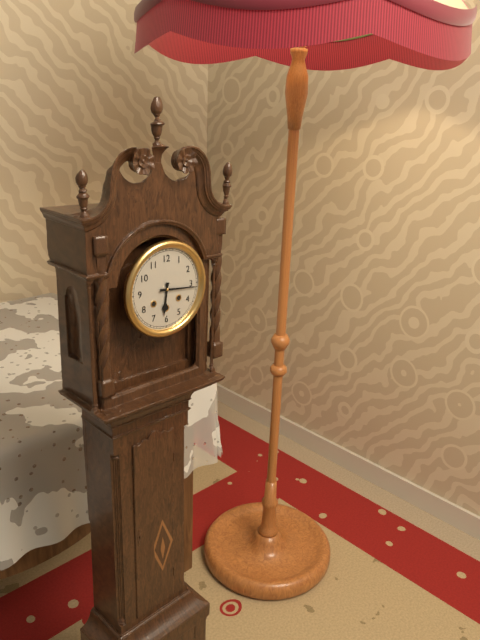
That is 6:16
